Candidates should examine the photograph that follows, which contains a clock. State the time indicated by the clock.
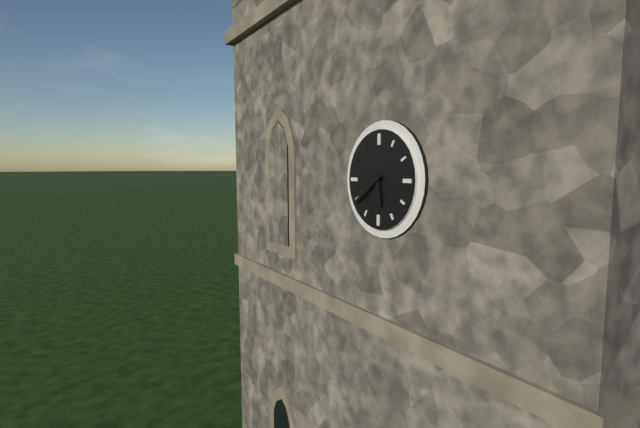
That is 5:39
